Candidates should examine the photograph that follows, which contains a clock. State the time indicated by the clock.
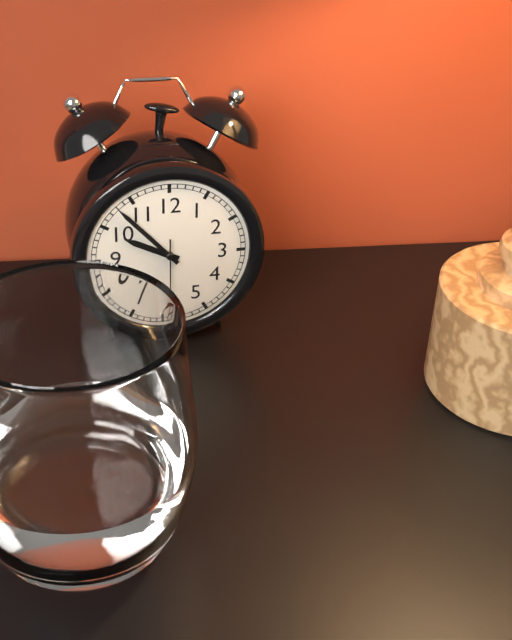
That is 9:53:30
